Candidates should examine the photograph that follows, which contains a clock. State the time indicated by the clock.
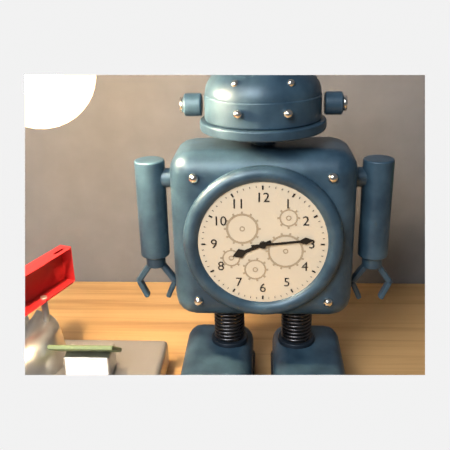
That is 8:14
